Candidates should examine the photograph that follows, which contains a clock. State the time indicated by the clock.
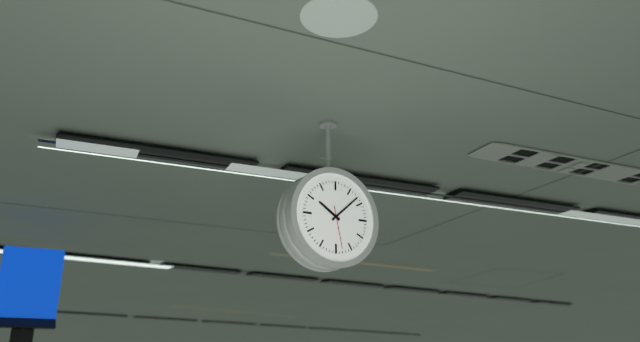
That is 10:08
